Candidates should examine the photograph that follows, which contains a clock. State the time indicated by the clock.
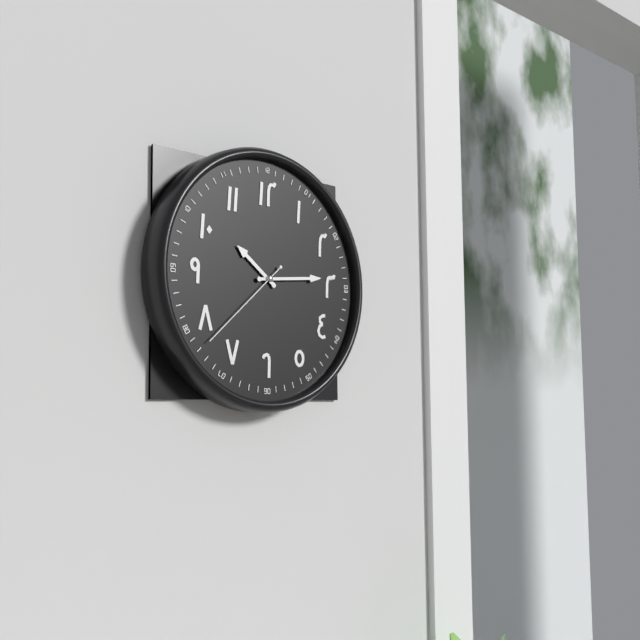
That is 10:14:38
